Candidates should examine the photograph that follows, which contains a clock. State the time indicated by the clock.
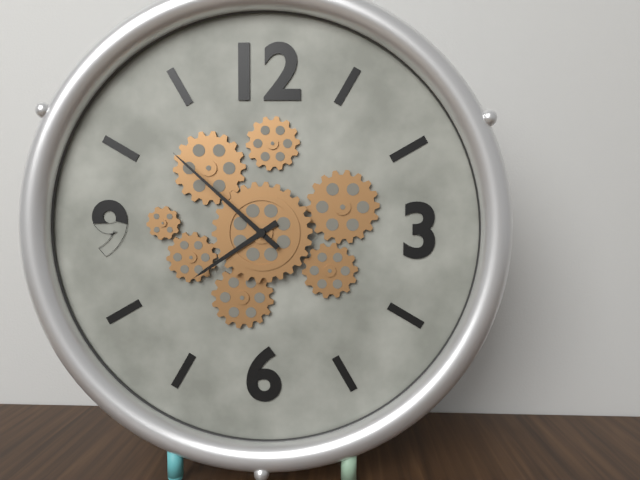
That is 7:52
